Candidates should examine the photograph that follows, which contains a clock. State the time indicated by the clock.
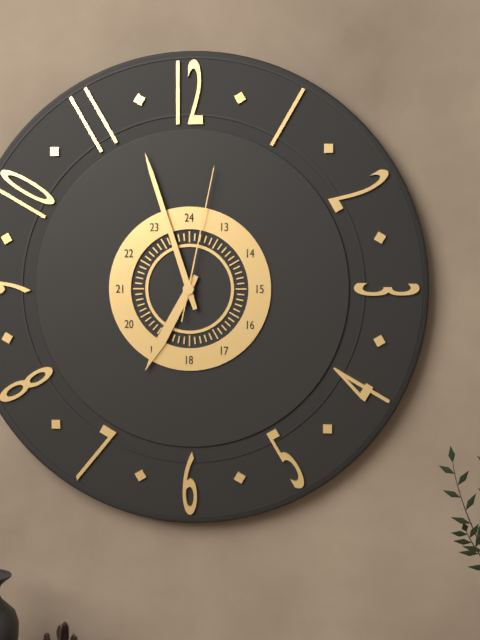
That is 6:57:02
